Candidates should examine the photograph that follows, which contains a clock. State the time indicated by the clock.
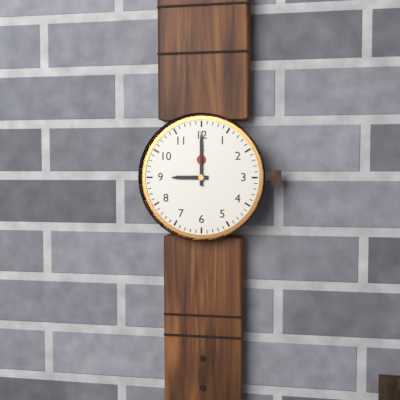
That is 9:00
